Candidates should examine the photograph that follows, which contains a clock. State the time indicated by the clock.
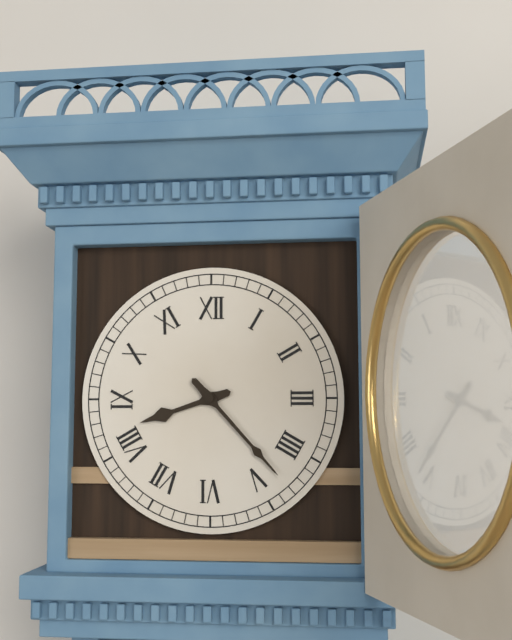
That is 8:23
